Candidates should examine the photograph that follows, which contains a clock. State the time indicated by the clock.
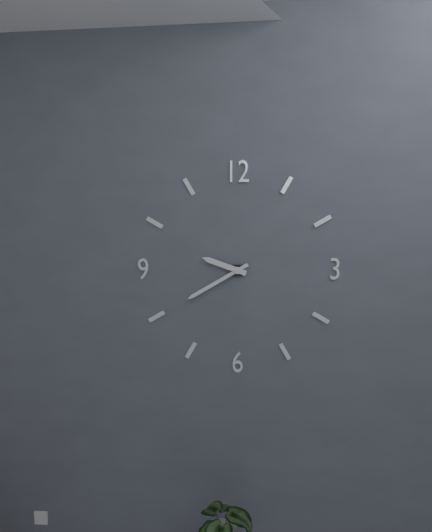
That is 9:40
